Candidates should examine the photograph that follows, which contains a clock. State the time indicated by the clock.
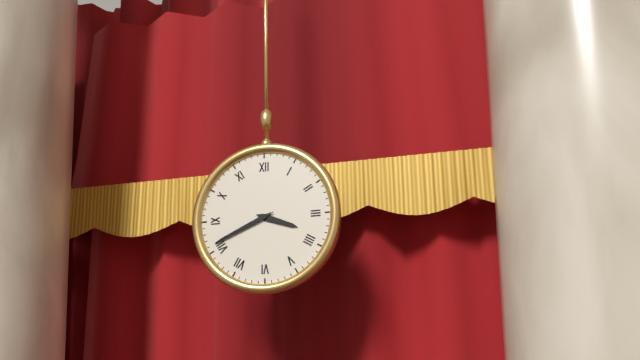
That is 3:41
